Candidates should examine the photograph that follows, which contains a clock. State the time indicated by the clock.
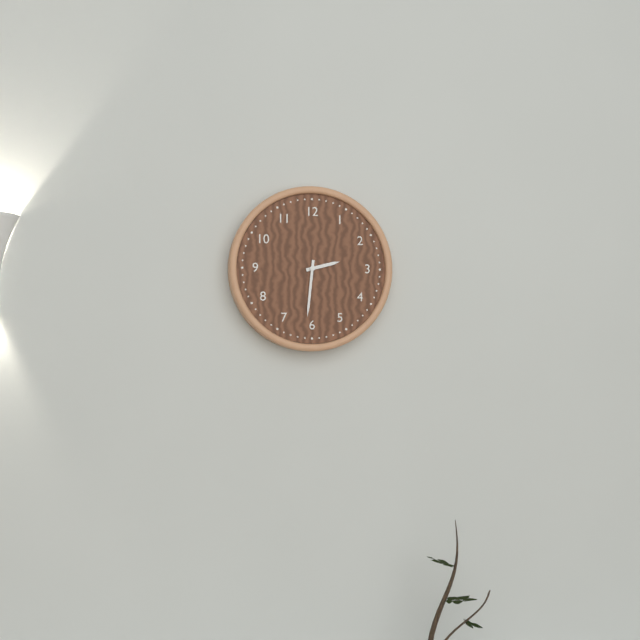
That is 2:31
